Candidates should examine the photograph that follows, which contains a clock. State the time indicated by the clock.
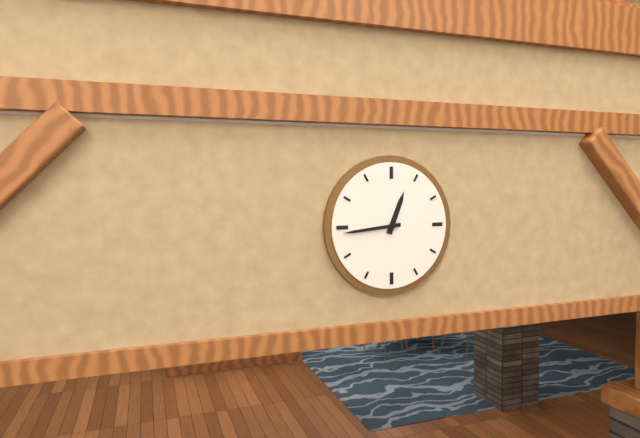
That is 12:44
